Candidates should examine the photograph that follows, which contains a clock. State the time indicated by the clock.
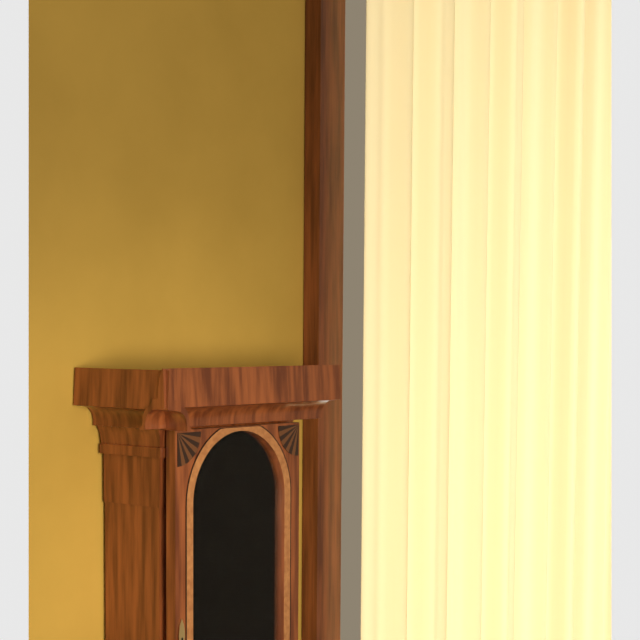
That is 5:16
